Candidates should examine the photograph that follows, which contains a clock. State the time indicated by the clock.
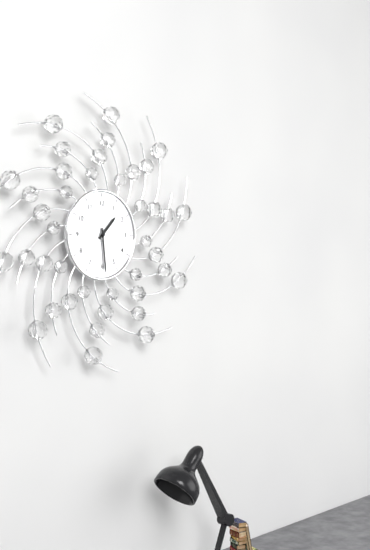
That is 1:29
